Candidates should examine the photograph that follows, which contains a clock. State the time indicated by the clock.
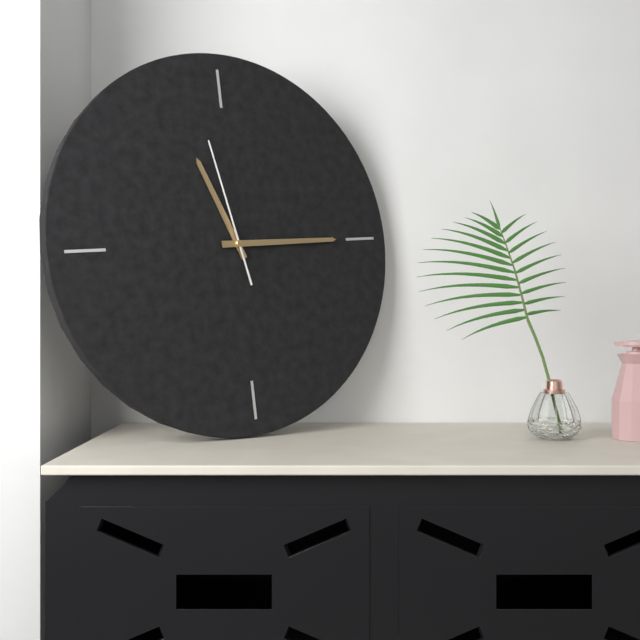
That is 11:15:58
